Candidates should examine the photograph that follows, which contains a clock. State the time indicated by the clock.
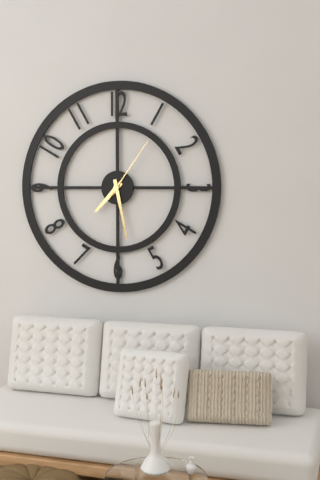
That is 7:28:06
